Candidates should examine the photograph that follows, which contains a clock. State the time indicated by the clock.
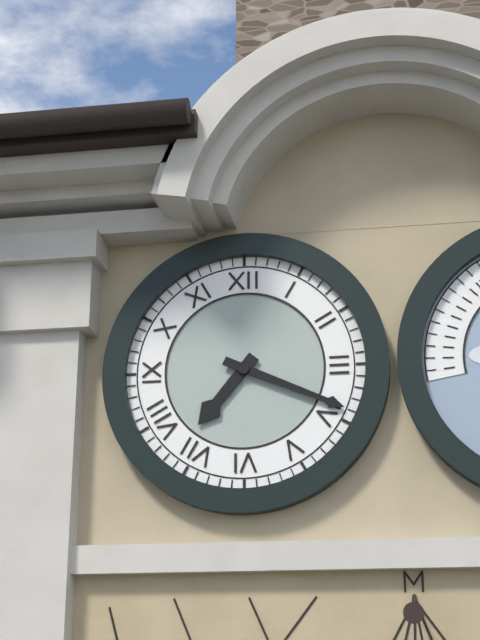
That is 7:19
